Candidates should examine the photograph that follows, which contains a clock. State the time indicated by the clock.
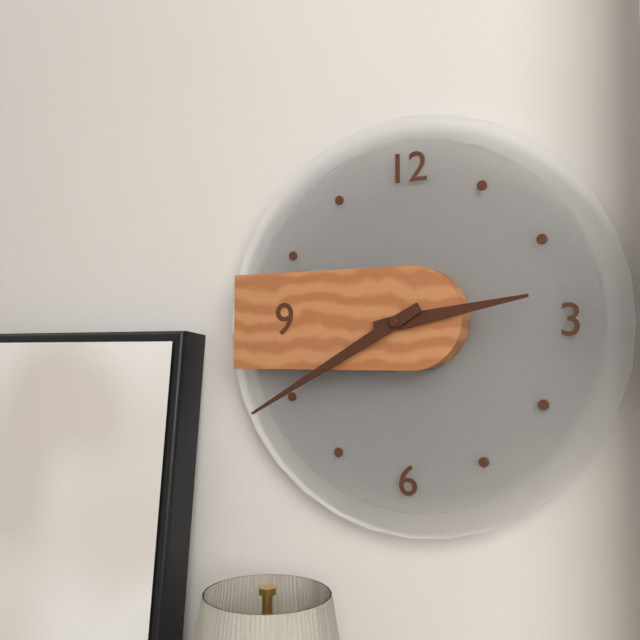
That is 2:40
